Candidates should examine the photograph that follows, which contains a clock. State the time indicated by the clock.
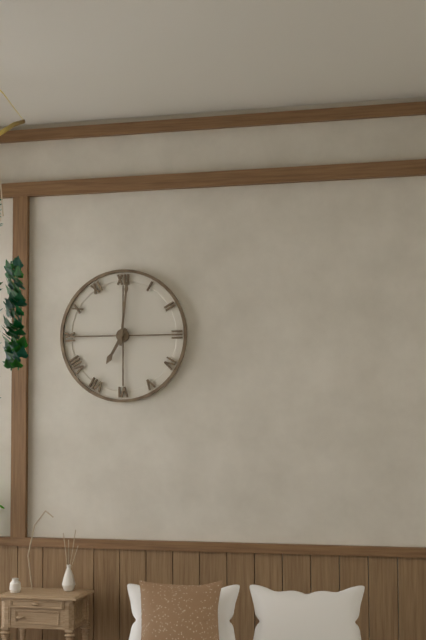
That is 7:01
